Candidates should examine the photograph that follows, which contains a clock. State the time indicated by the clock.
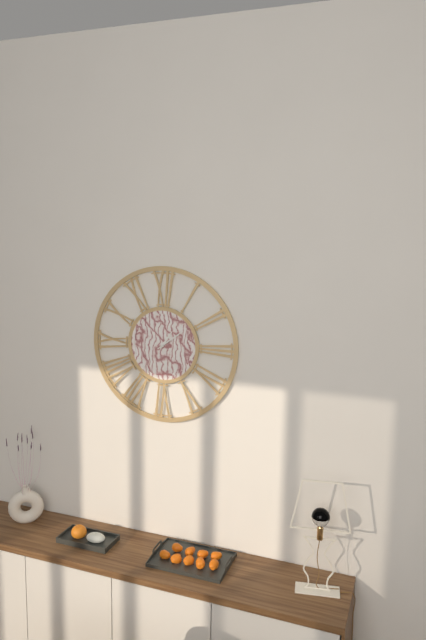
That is 1:09
